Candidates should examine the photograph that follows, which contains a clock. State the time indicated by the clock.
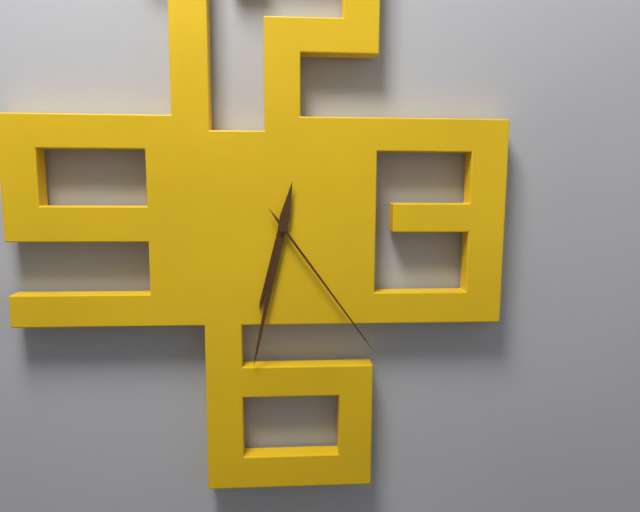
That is 6:32:24
